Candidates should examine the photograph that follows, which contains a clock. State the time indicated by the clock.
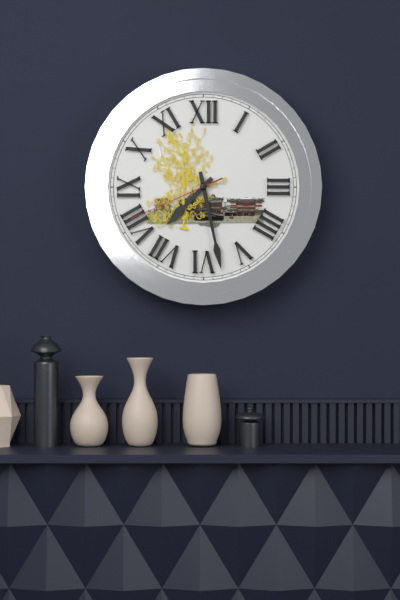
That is 7:28:41
